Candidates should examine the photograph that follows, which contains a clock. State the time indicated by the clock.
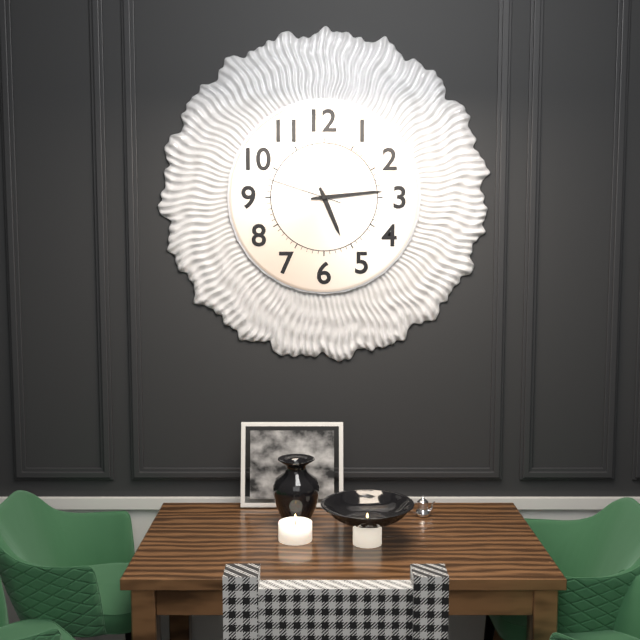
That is 5:14:48
